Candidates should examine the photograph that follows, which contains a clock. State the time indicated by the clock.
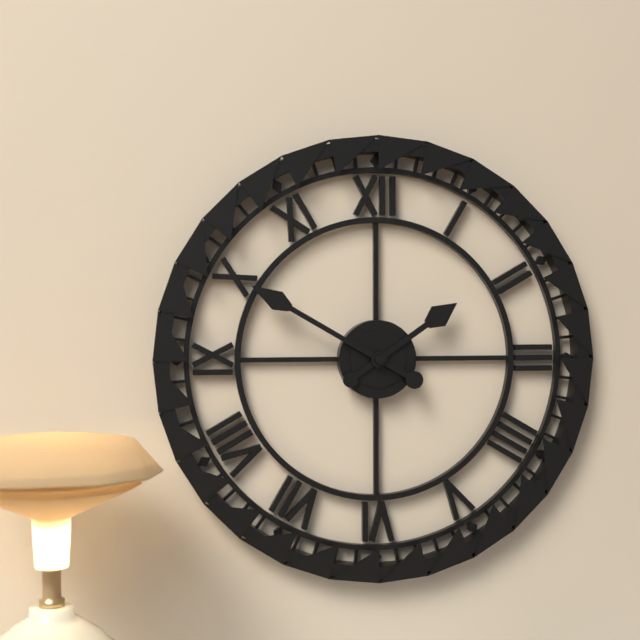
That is 1:50
